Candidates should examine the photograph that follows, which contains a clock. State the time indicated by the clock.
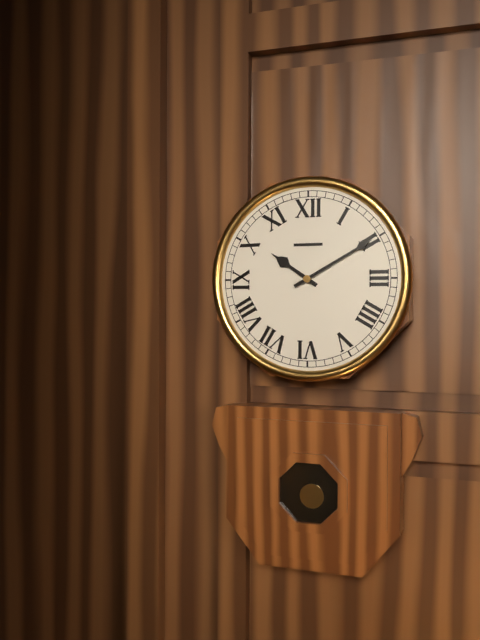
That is 10:10
